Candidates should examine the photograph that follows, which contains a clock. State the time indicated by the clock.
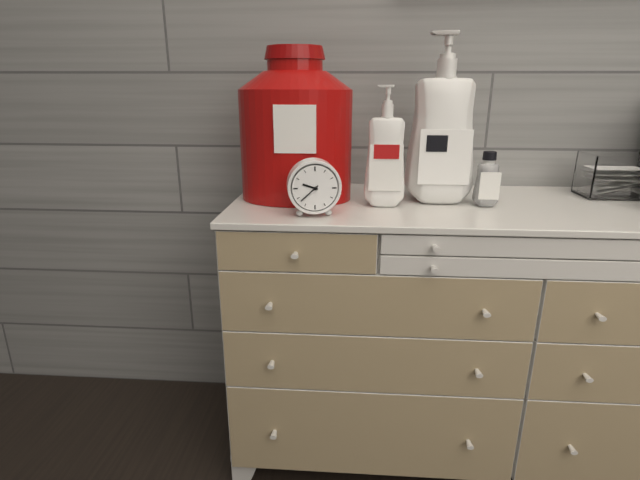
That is 9:38
